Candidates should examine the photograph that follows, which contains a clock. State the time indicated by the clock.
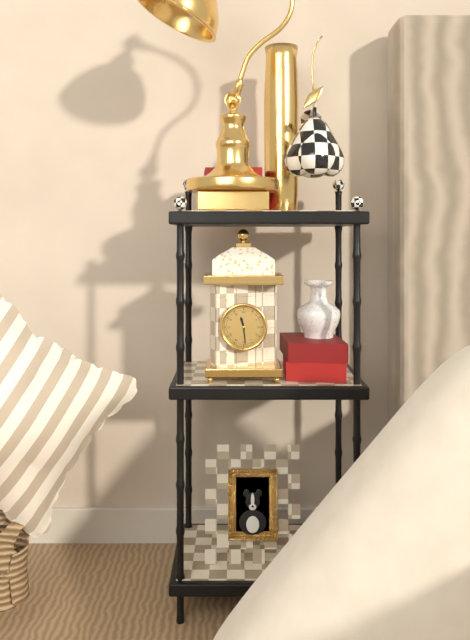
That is 11:29
